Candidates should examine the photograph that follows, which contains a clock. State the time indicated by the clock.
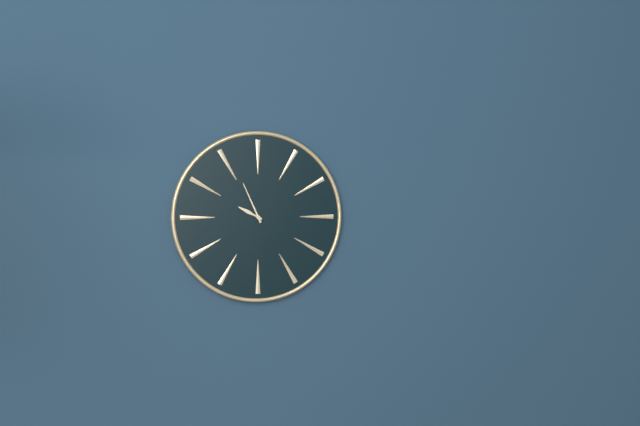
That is 9:56
